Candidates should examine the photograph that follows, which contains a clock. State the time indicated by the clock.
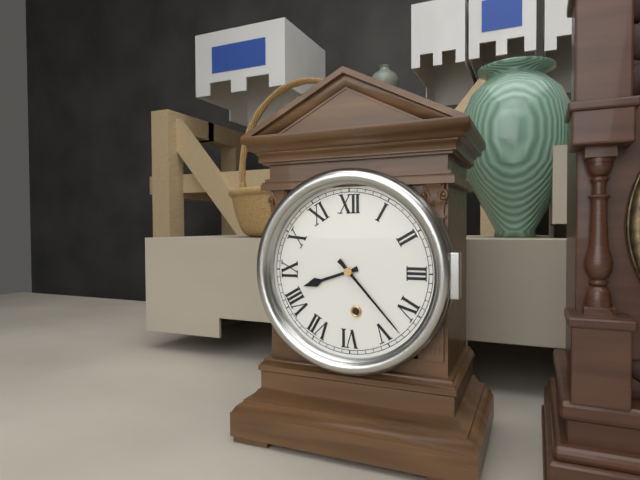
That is 8:23
